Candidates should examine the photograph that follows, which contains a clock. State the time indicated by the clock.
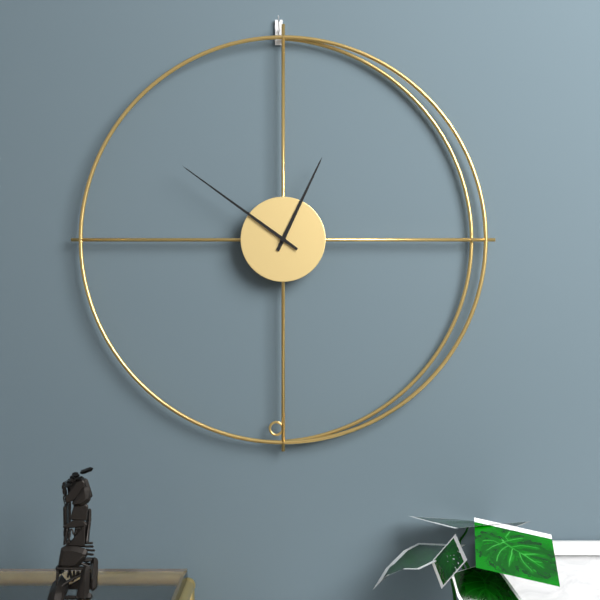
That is 12:51
